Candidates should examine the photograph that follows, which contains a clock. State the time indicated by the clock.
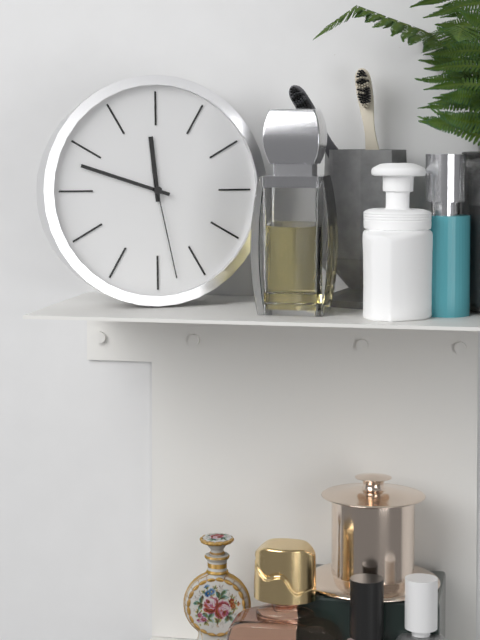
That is 11:48:28
